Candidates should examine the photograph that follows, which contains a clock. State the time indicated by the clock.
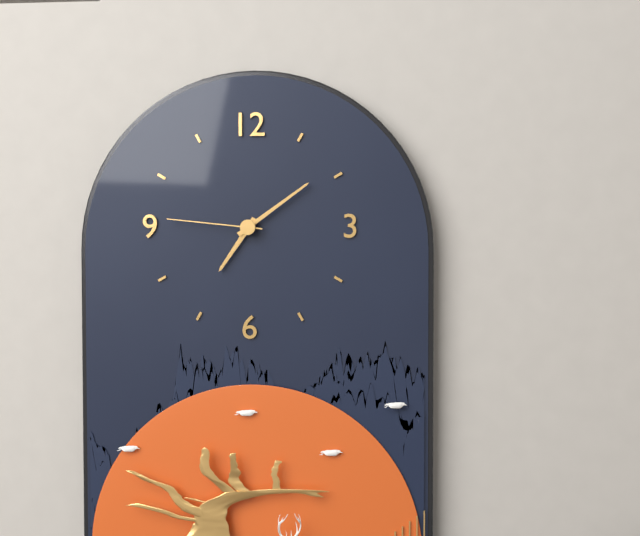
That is 7:09:46
